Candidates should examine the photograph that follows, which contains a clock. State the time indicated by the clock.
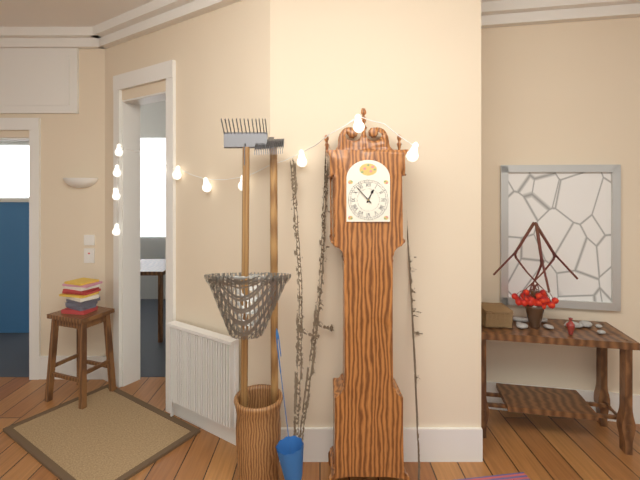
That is 12:53
